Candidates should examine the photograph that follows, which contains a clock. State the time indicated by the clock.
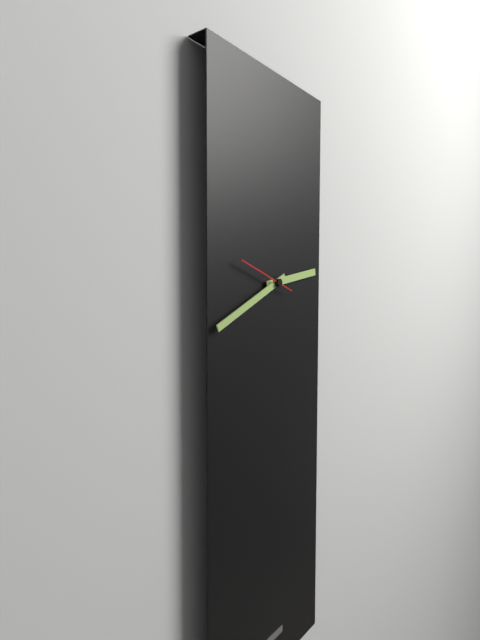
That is 2:41:48
